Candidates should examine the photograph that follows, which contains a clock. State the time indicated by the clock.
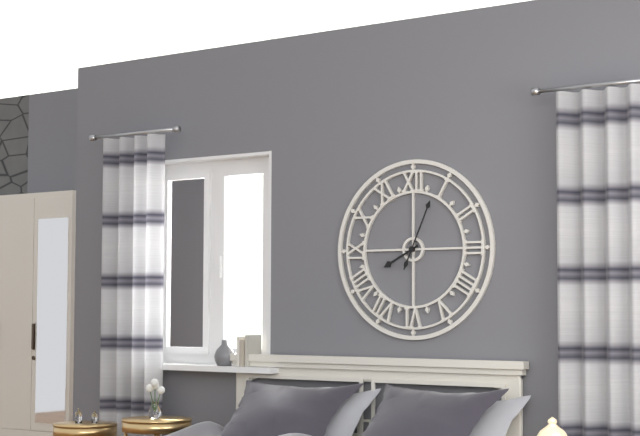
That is 8:04
